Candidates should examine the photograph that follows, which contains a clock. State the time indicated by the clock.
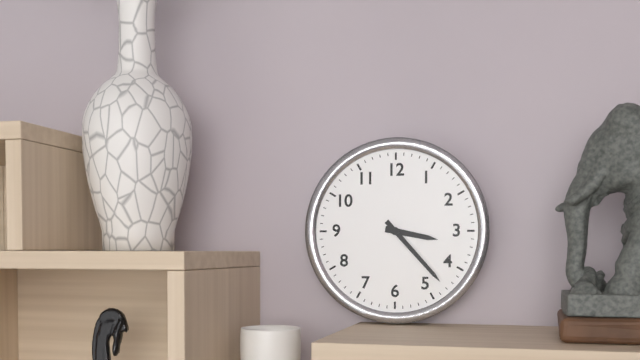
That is 3:23
